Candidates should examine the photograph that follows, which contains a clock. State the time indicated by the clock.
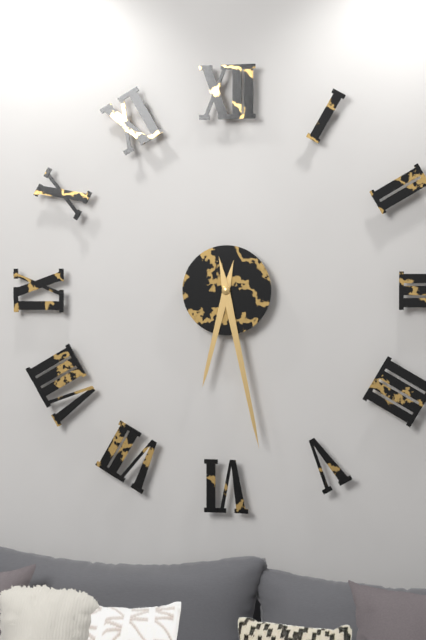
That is 6:28
